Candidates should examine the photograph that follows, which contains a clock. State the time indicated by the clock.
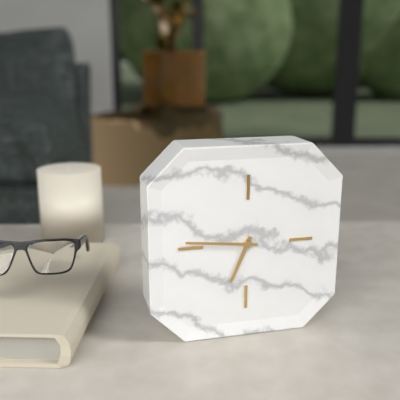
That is 6:46
